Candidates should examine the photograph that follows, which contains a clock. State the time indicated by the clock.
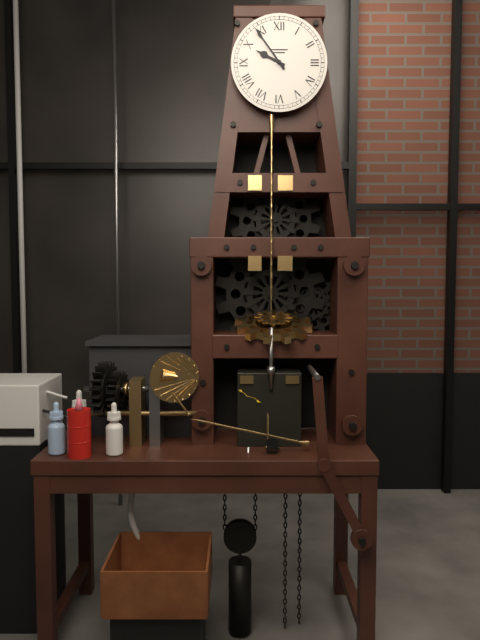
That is 9:54
